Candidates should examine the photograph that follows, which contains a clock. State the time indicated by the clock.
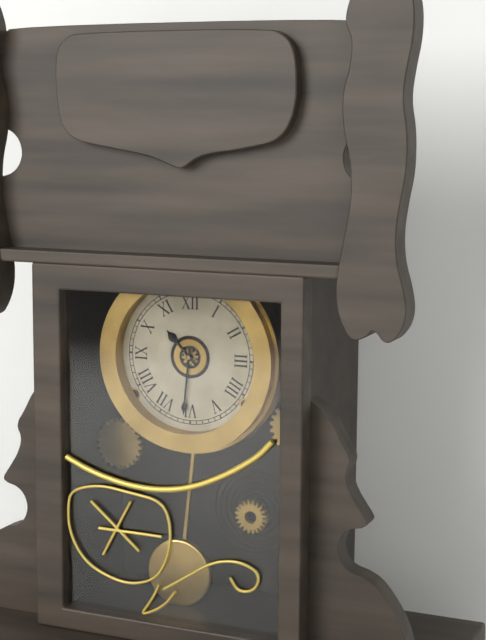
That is 10:31
